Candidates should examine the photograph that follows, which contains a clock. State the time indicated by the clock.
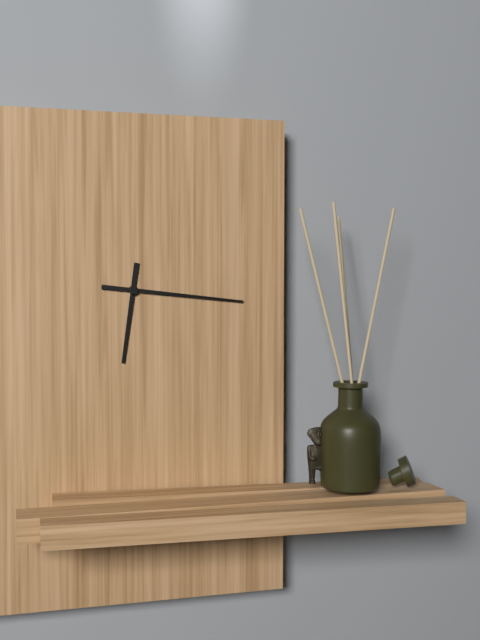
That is 6:16
